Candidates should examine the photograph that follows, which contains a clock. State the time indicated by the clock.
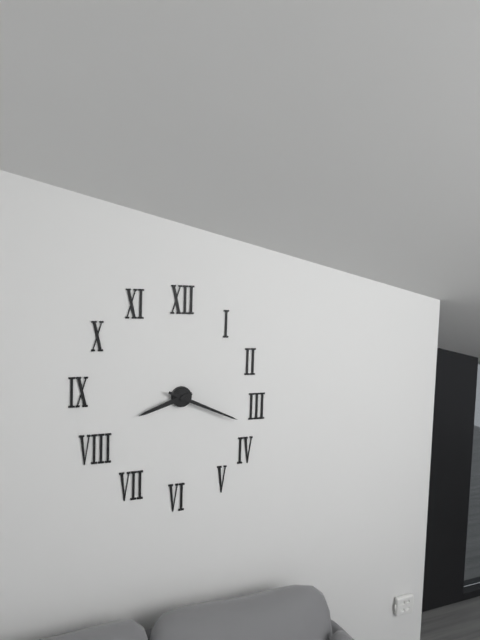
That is 8:19
